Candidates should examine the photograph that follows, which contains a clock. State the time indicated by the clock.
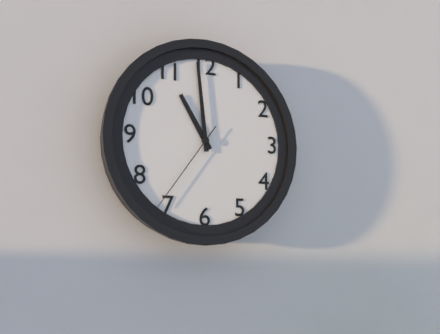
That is 10:59:36
